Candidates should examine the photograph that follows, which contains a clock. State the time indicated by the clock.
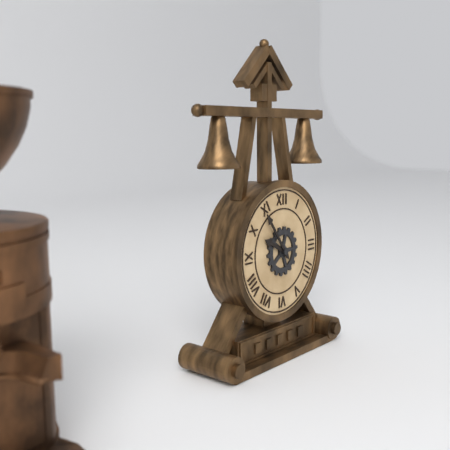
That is 9:54
